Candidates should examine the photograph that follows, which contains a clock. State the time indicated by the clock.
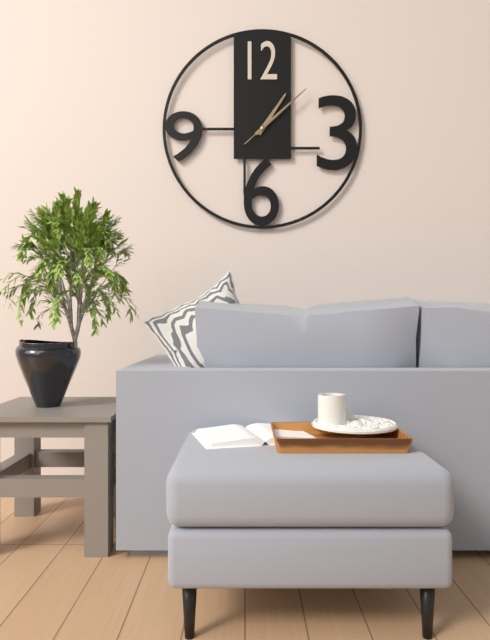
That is 1:08:08
